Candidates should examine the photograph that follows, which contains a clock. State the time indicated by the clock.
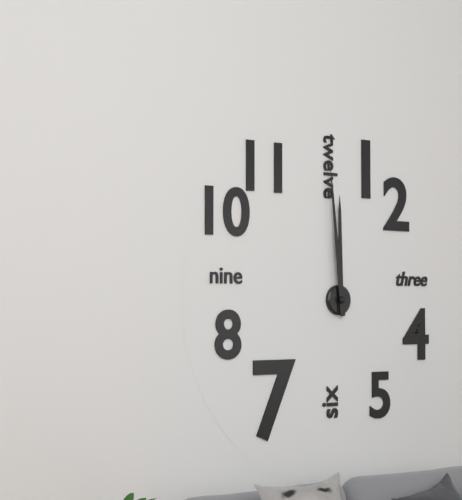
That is 11:59
